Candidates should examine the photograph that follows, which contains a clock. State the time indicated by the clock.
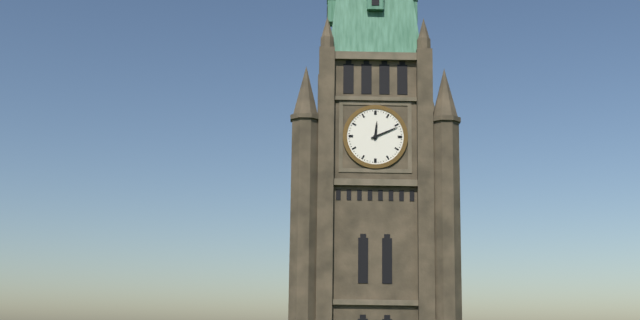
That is 12:11
